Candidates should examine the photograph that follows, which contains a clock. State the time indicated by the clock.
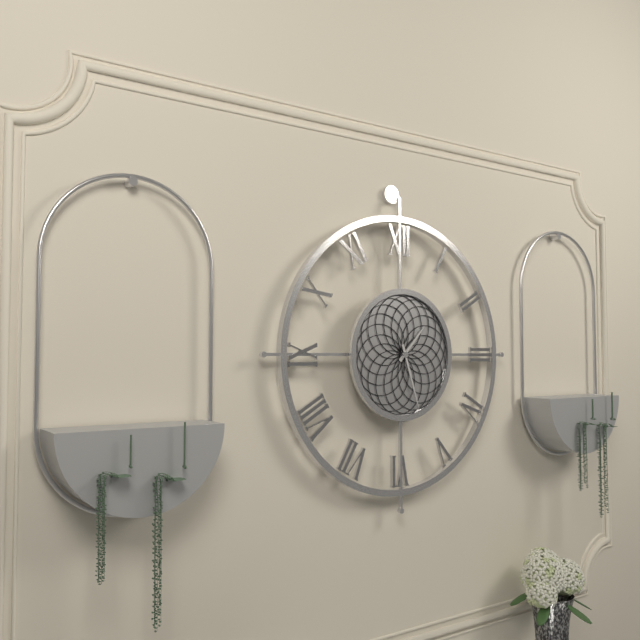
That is 1:27
